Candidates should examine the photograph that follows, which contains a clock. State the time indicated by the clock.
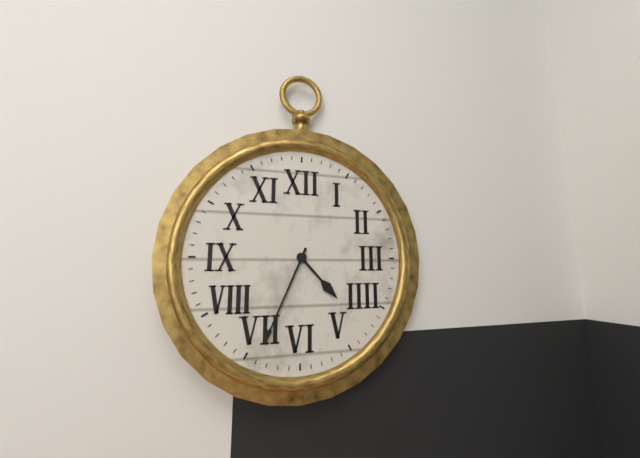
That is 4:34
